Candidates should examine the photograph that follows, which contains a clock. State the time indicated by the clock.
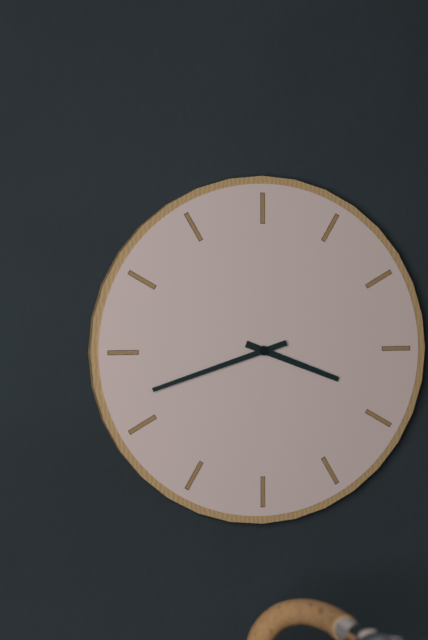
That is 3:42
